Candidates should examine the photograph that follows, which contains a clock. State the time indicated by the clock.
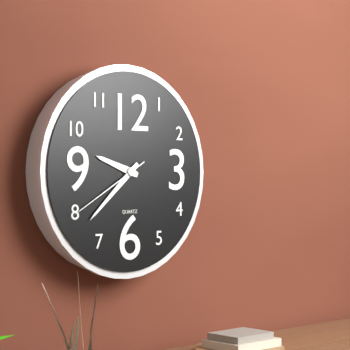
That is 9:38:40
